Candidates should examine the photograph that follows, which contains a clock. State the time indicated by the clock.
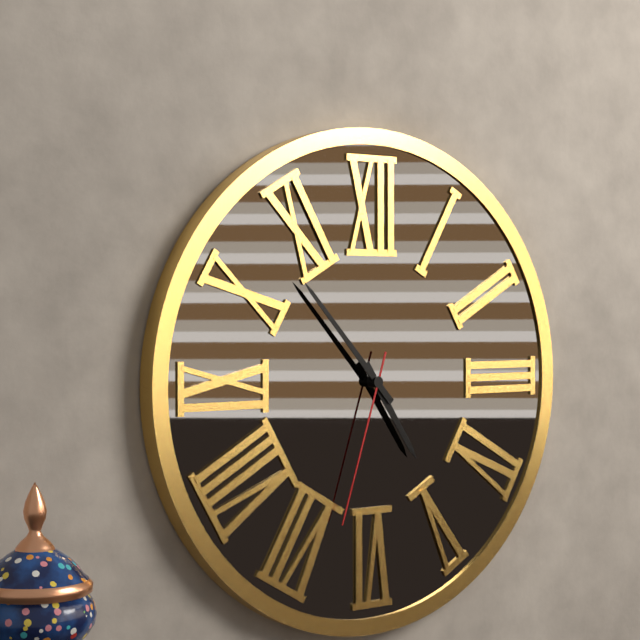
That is 4:53:33
